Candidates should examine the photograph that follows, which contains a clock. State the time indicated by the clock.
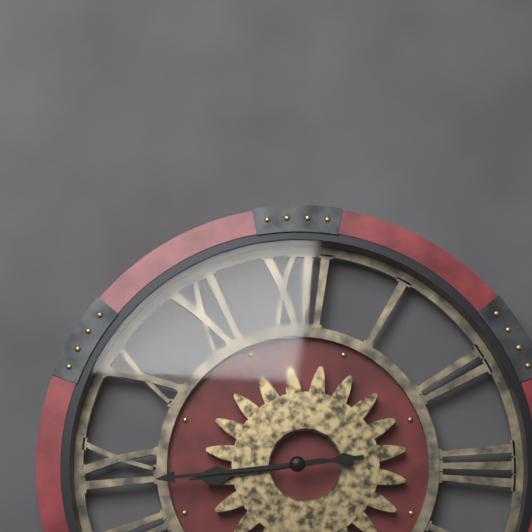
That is 8:44
